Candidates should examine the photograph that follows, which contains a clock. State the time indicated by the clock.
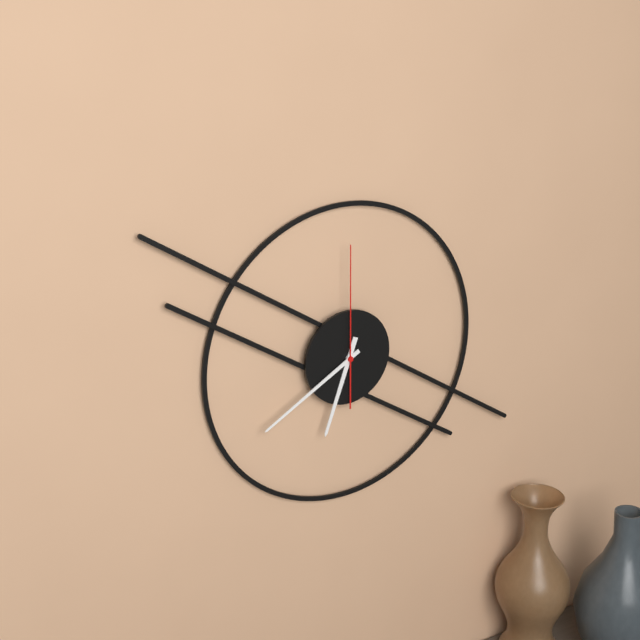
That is 6:40:00
